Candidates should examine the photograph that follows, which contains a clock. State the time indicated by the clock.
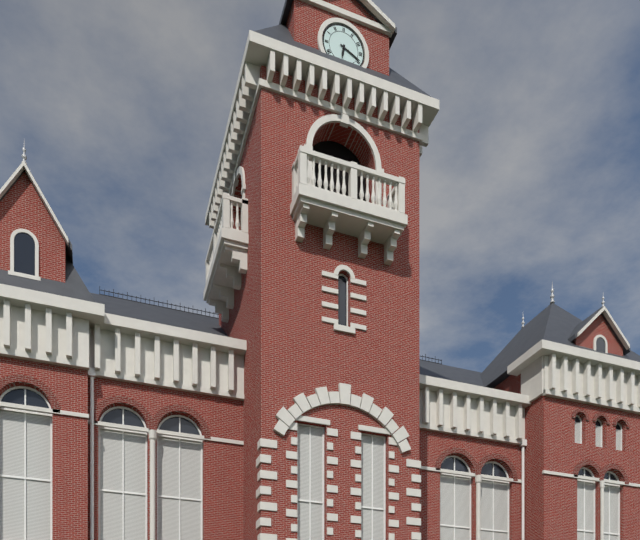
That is 6:19
